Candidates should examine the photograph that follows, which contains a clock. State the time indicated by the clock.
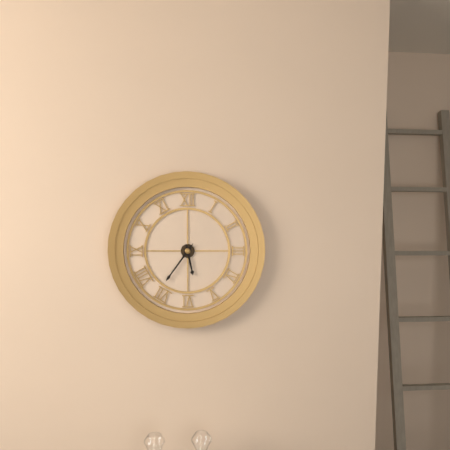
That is 5:36
